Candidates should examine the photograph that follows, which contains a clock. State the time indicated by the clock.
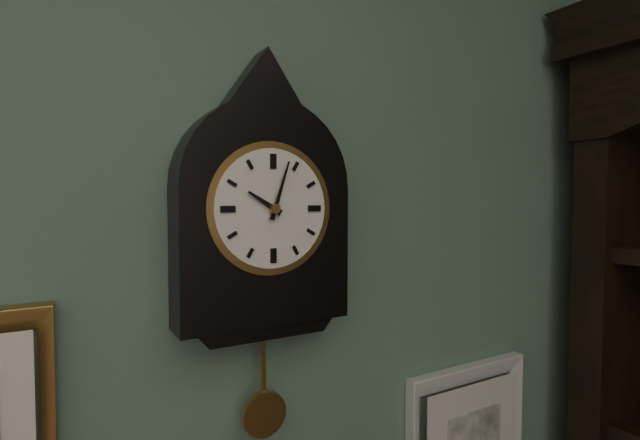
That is 10:03
